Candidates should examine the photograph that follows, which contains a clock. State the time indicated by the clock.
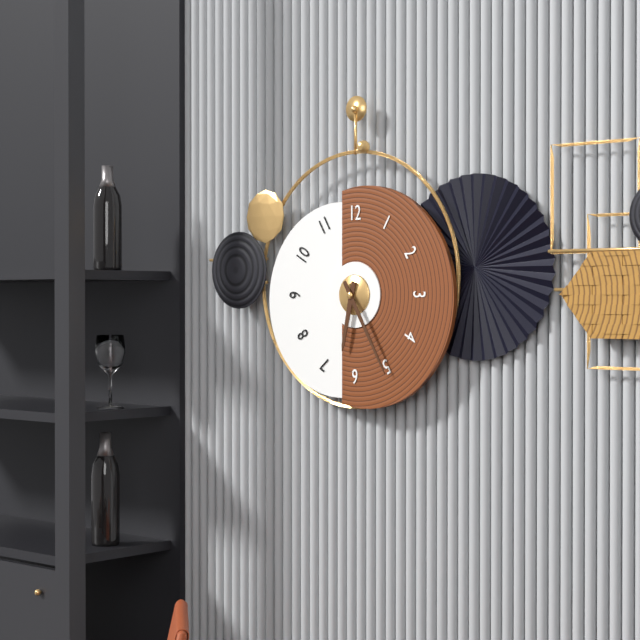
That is 6:25
